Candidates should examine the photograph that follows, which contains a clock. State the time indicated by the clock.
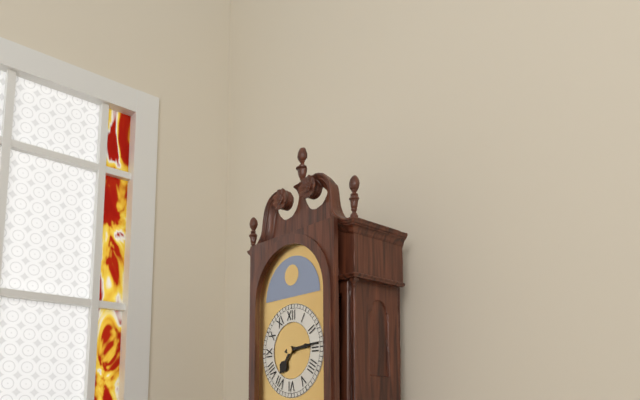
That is 7:14
